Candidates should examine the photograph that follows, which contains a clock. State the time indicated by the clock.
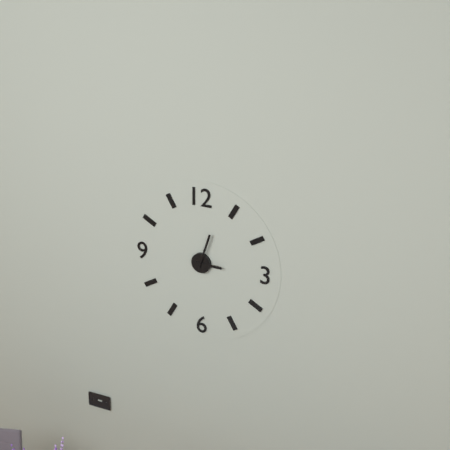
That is 3:03
